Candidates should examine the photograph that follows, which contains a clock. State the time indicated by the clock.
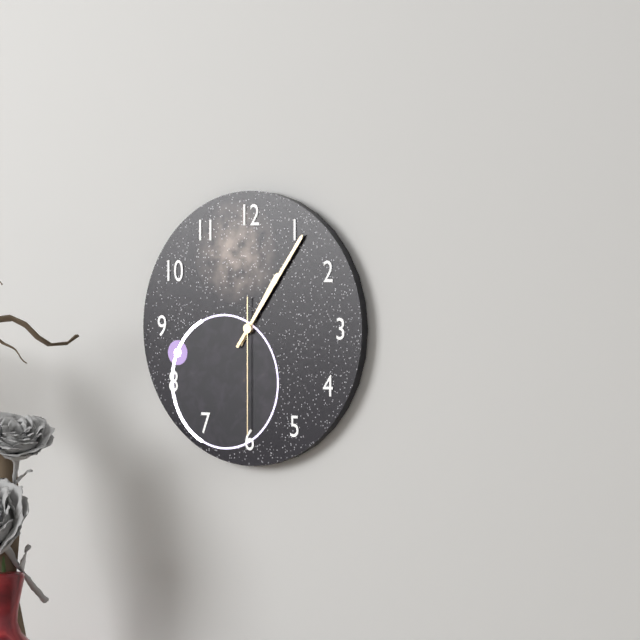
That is 1:06:30
